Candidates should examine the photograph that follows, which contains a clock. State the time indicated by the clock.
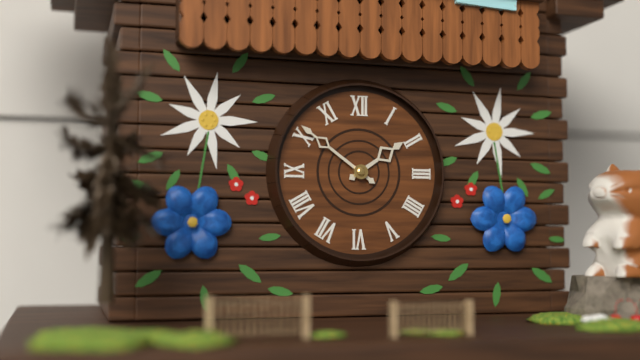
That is 1:51
